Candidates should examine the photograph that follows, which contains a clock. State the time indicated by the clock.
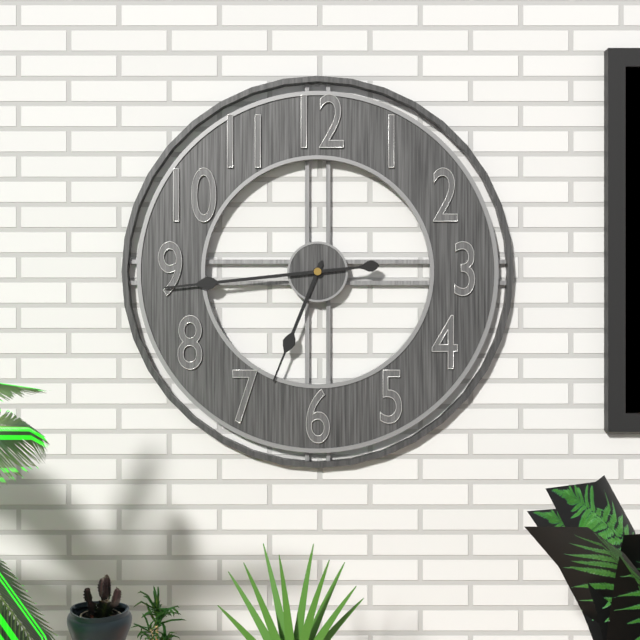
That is 6:44
